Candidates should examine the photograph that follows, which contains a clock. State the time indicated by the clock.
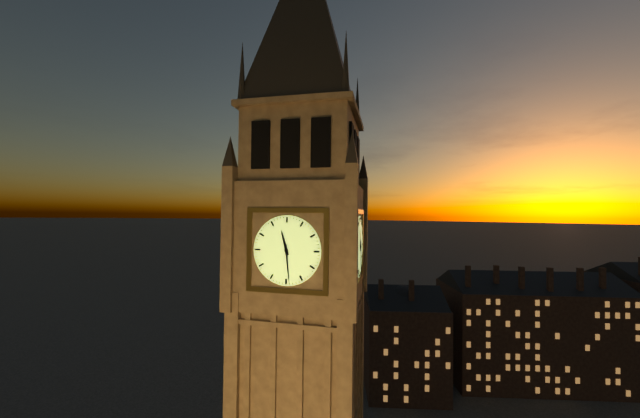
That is 11:29
